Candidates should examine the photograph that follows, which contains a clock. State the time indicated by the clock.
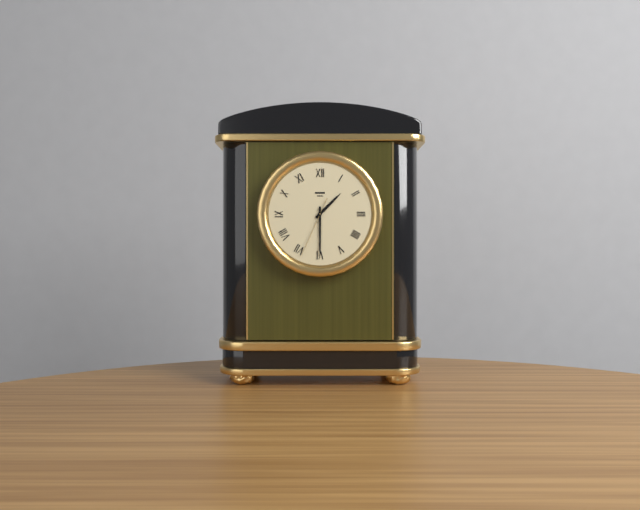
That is 1:30:34
